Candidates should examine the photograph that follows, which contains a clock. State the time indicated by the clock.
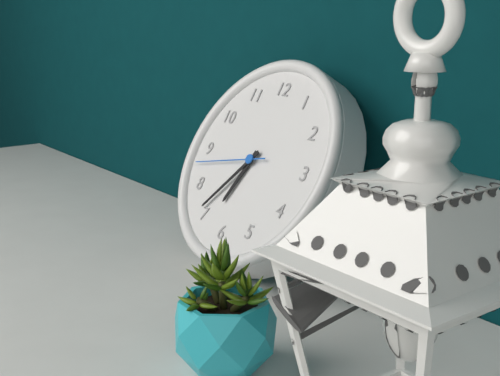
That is 6:36:43
